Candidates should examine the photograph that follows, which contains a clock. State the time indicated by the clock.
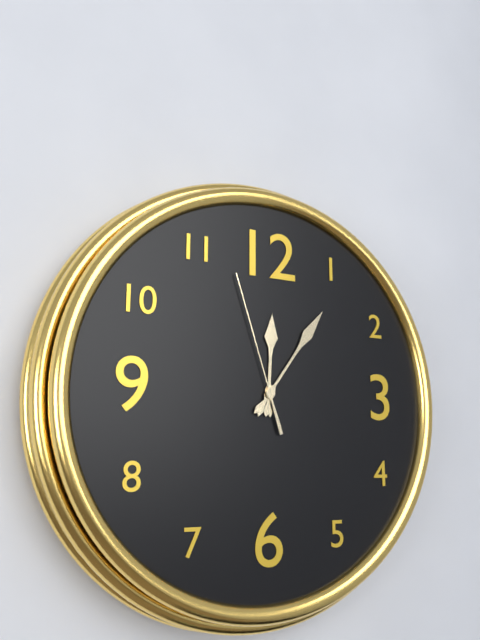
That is 12:06:57
